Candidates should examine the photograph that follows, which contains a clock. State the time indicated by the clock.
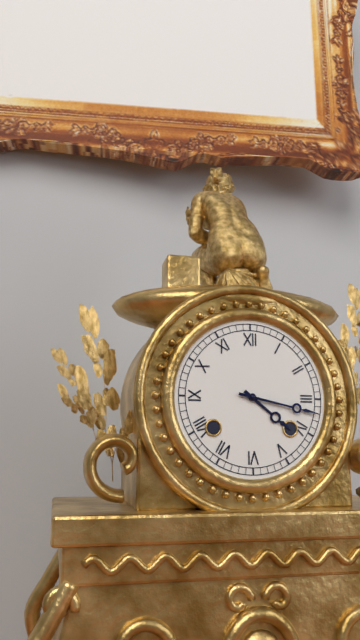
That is 4:17
